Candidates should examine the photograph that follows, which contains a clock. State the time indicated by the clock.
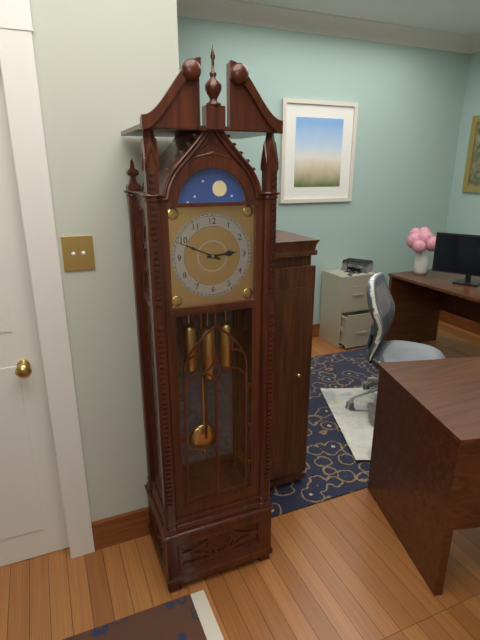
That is 2:49
